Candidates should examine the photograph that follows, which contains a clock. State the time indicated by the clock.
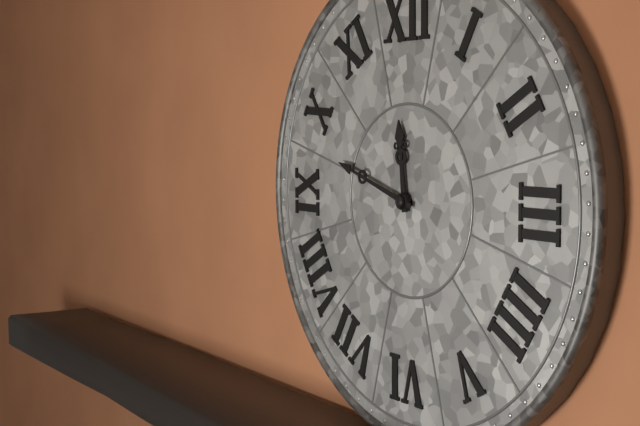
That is 11:48
